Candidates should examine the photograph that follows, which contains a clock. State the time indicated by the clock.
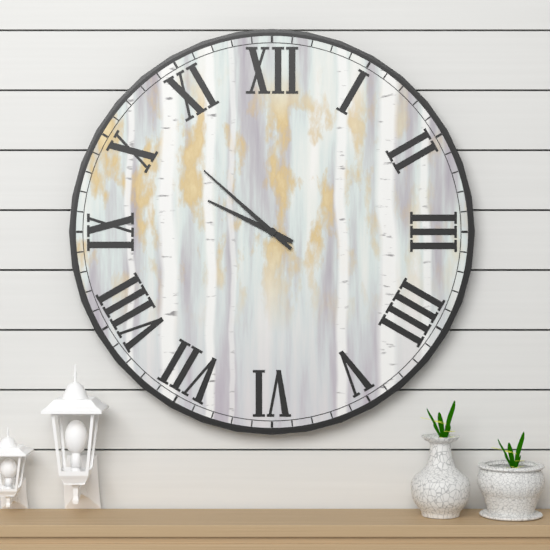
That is 9:52
